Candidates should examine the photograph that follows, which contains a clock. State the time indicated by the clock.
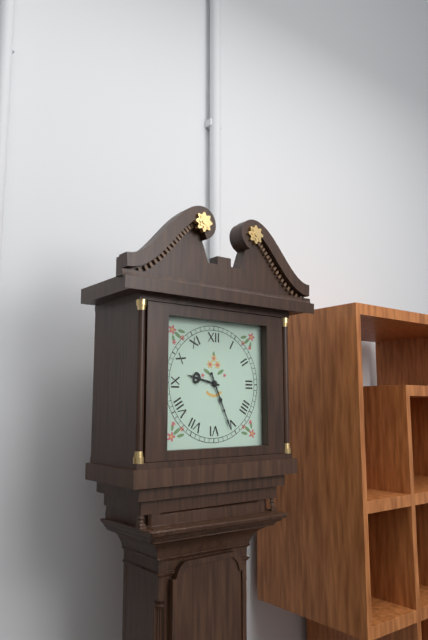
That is 9:26
